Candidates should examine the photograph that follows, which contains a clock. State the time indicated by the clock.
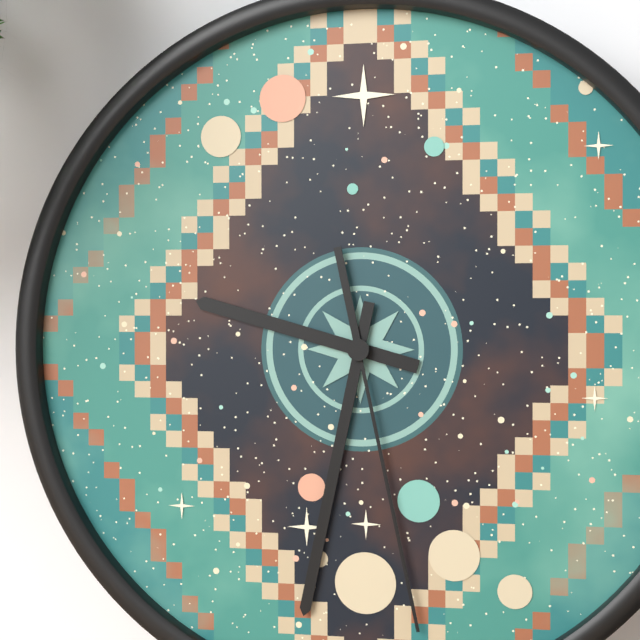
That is 9:32:28
